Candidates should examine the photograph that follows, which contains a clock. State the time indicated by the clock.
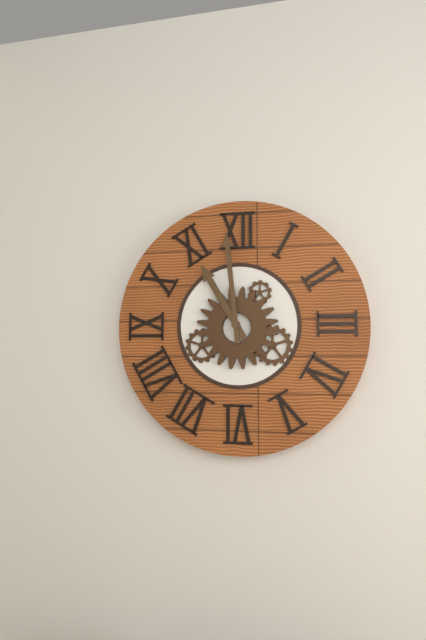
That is 10:59
